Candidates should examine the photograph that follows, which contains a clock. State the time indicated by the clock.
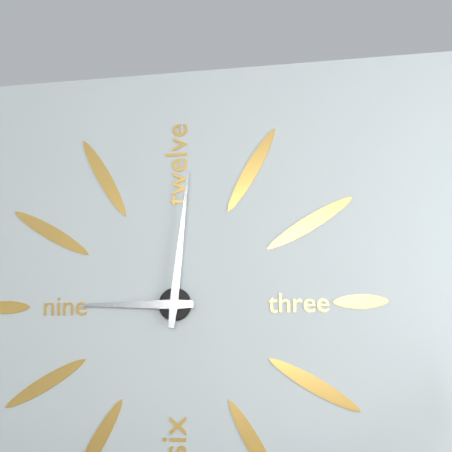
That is 9:01
